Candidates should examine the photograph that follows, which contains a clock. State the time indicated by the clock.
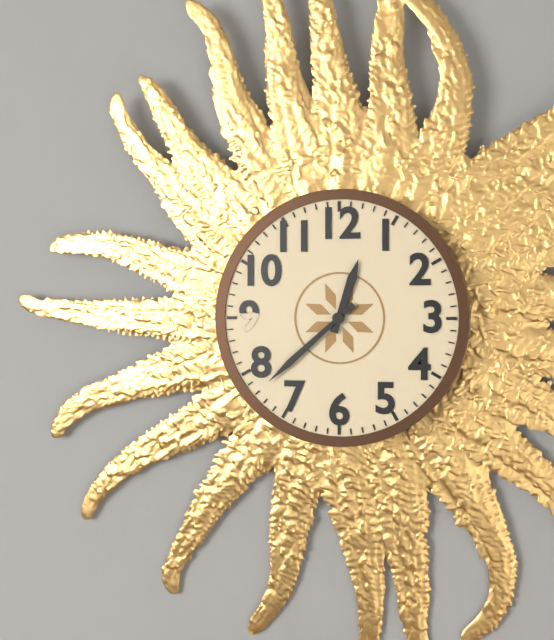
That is 12:38
